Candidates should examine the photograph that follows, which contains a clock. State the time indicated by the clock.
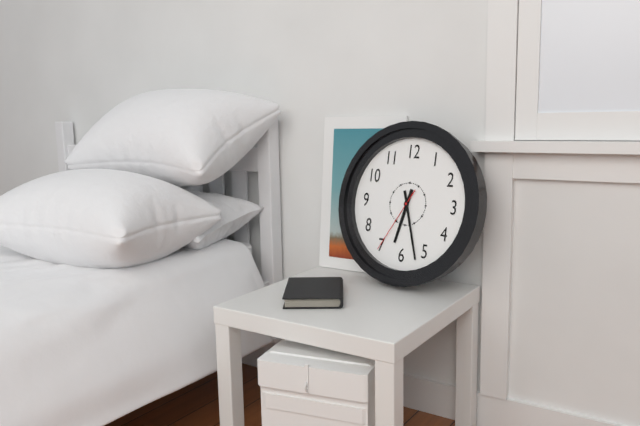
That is 6:27:35
